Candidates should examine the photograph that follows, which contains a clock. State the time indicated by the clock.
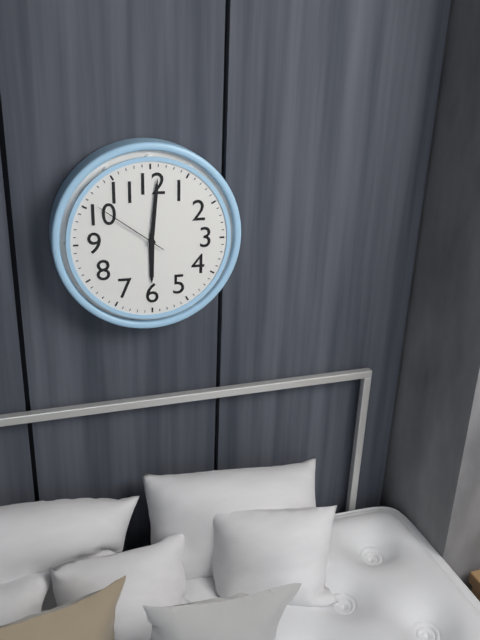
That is 6:01:51
